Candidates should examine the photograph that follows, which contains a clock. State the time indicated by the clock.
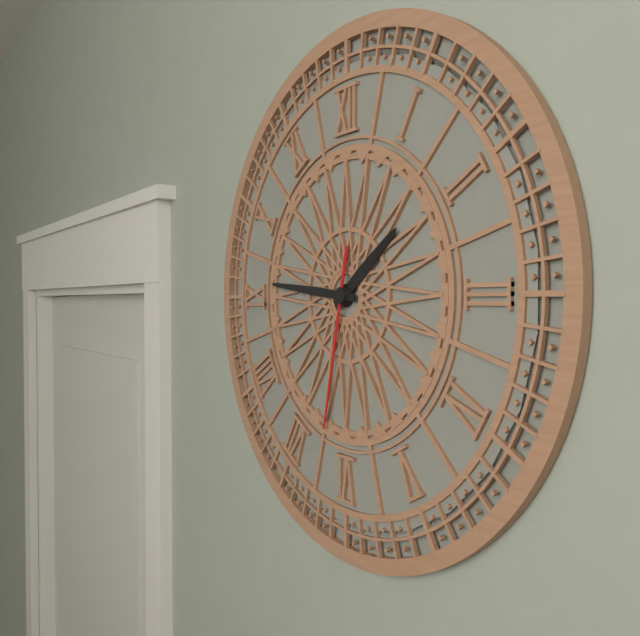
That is 1:46:32
